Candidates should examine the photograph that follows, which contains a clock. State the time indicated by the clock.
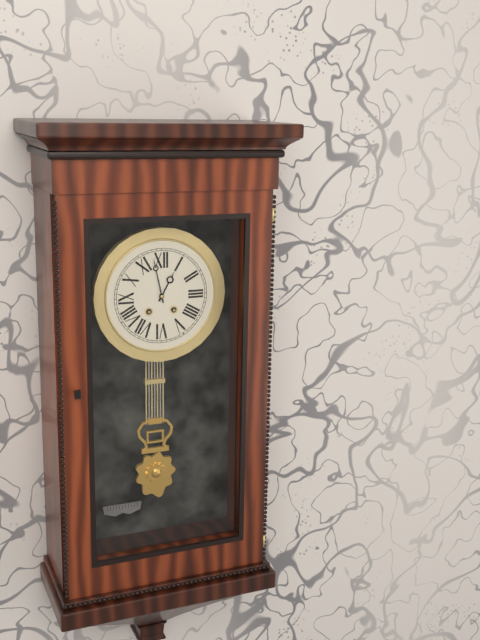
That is 12:58
